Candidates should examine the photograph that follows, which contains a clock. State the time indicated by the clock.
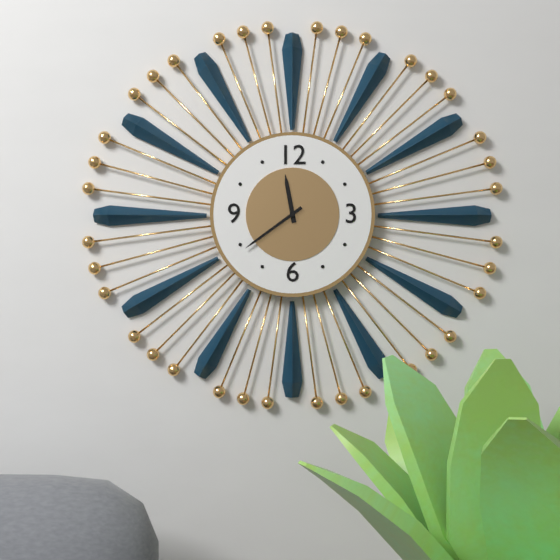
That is 11:39
